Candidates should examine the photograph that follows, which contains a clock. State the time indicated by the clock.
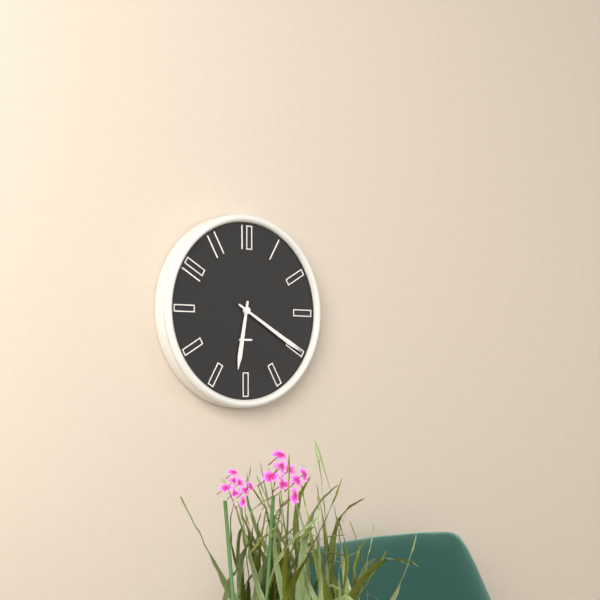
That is 6:20
